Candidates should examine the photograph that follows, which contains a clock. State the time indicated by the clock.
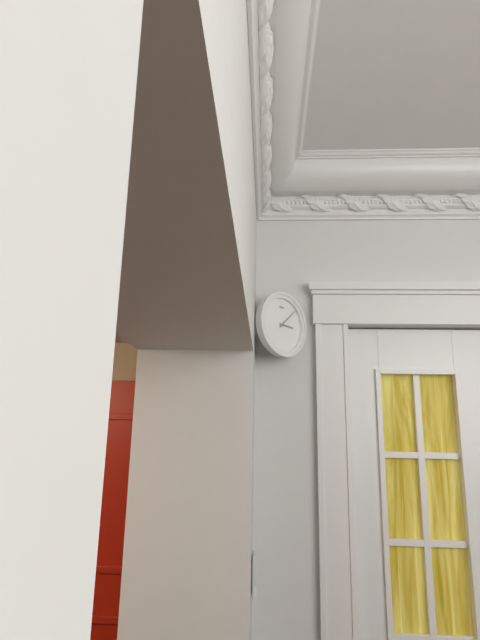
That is 3:08
